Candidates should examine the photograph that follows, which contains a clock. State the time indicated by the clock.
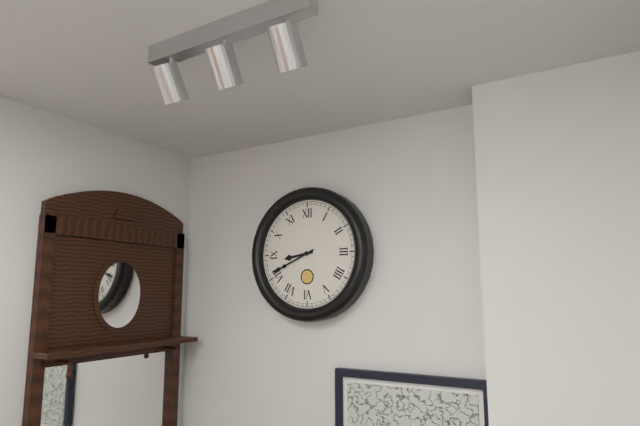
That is 8:41
